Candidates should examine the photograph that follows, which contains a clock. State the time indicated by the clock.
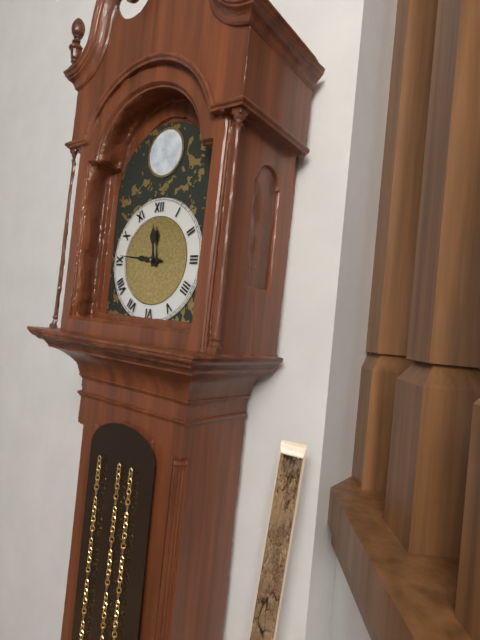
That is 11:46
